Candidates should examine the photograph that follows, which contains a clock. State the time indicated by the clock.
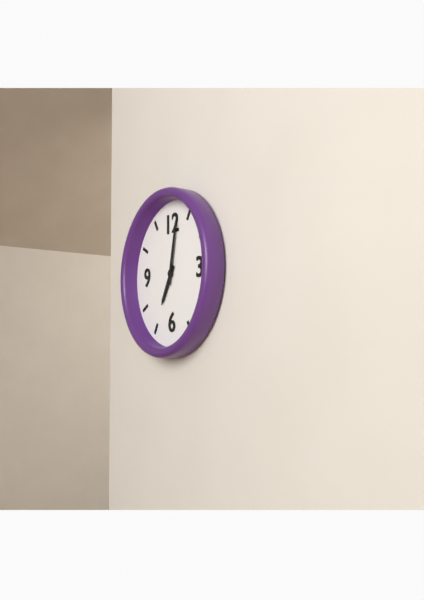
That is 7:02
